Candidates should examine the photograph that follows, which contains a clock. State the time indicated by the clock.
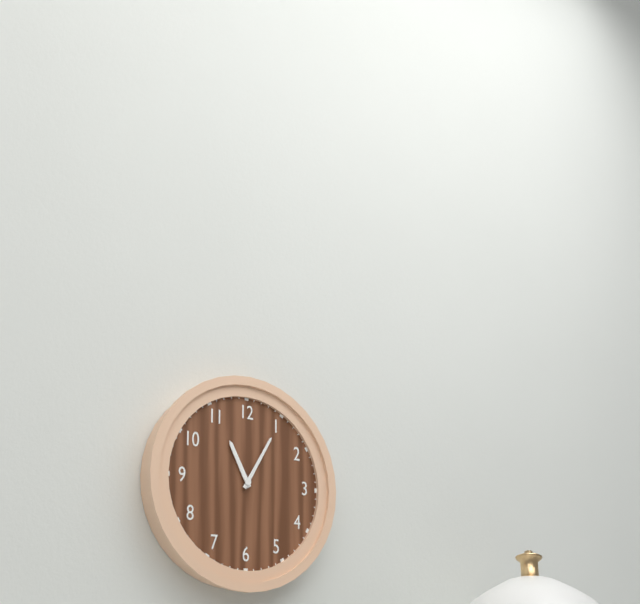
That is 11:05
